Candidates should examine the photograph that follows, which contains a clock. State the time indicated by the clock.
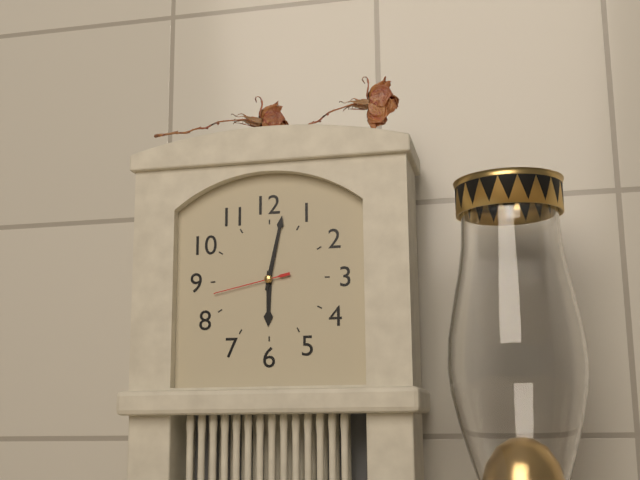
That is 6:02:43
